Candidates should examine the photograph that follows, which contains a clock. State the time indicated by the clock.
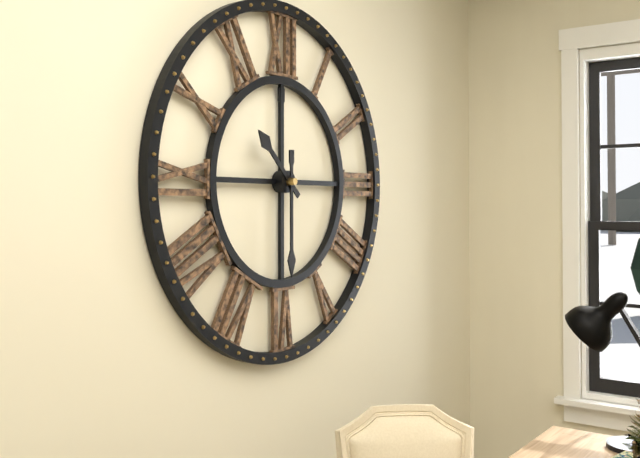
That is 10:30
